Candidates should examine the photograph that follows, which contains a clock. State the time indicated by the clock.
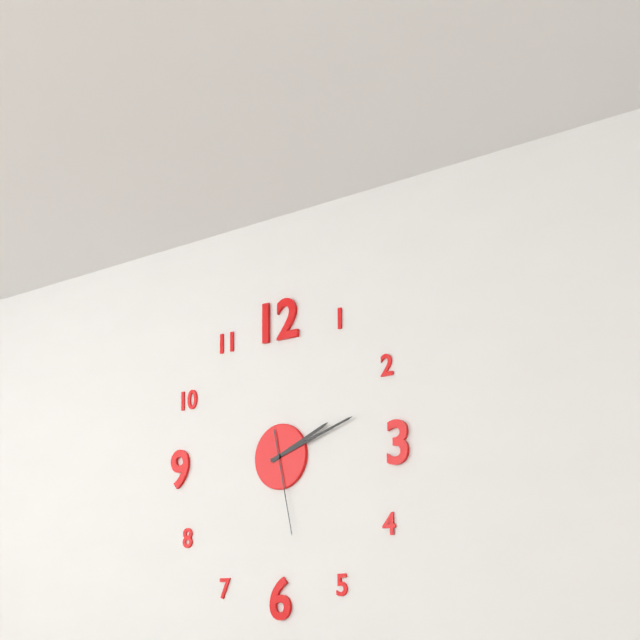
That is 2:12:28
